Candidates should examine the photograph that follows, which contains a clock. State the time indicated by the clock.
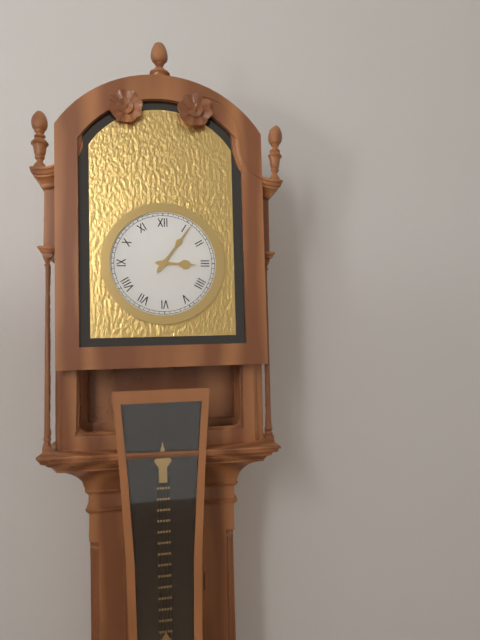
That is 3:06
